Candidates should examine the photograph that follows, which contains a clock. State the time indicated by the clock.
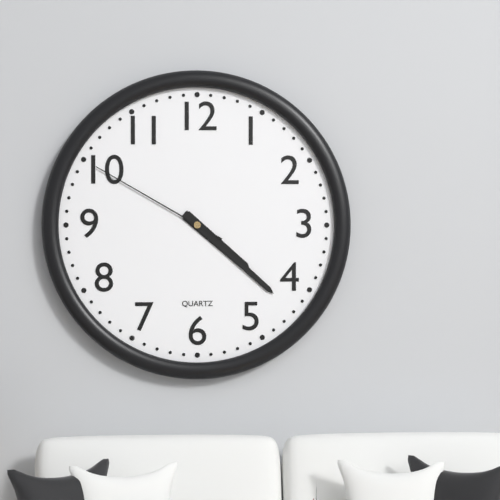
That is 4:22:50
